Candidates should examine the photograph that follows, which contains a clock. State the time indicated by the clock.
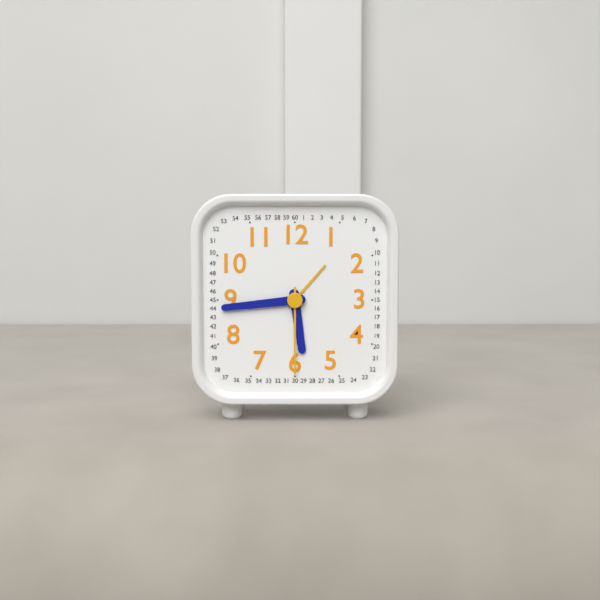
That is 5:44:30
